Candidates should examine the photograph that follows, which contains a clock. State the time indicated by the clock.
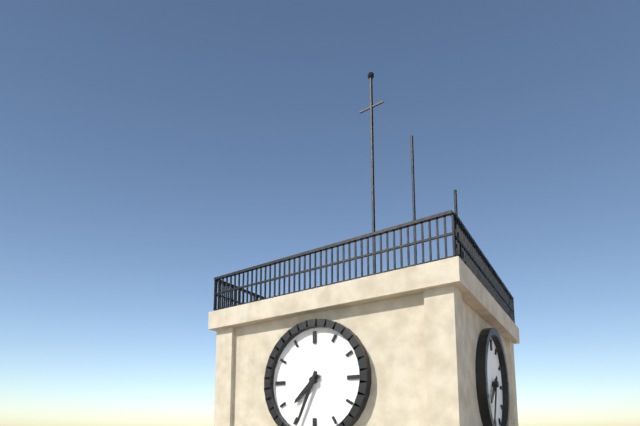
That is 7:34
